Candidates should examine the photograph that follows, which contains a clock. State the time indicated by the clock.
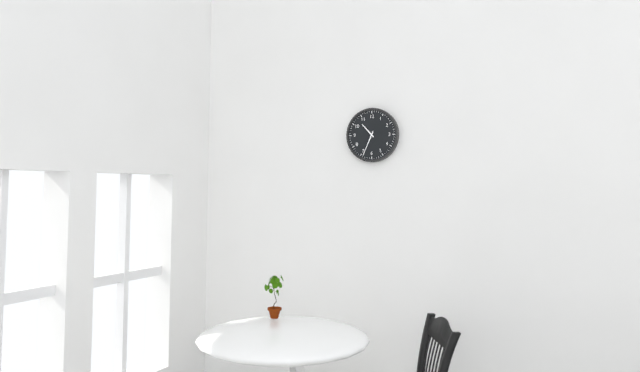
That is 10:34
